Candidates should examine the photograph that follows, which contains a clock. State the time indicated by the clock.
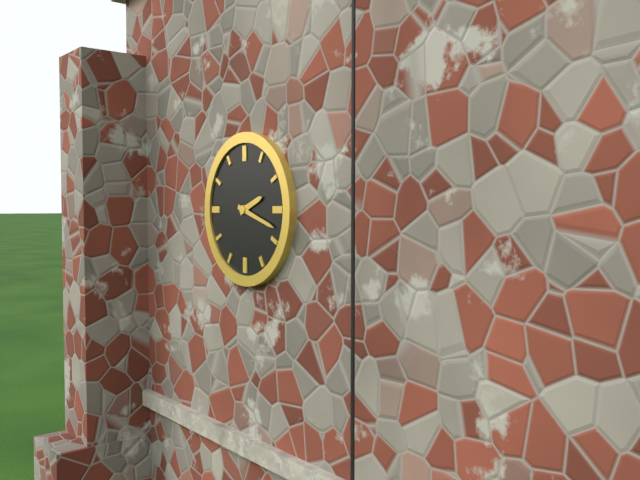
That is 2:18
